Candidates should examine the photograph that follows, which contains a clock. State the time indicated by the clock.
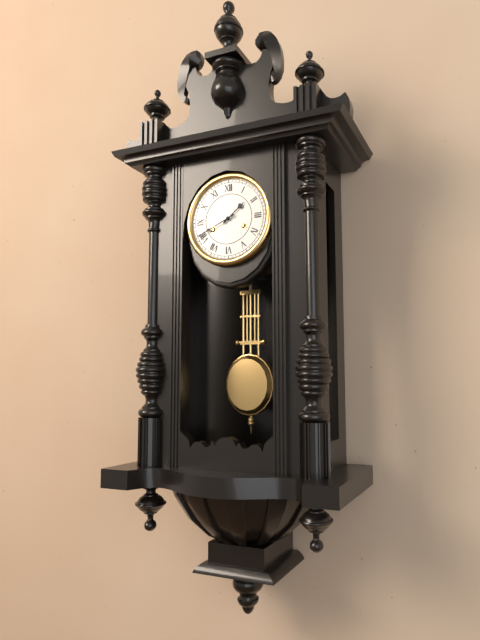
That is 1:41
